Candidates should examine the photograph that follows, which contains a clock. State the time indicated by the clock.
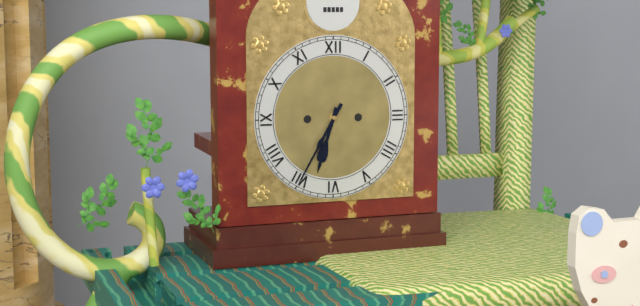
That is 6:35
